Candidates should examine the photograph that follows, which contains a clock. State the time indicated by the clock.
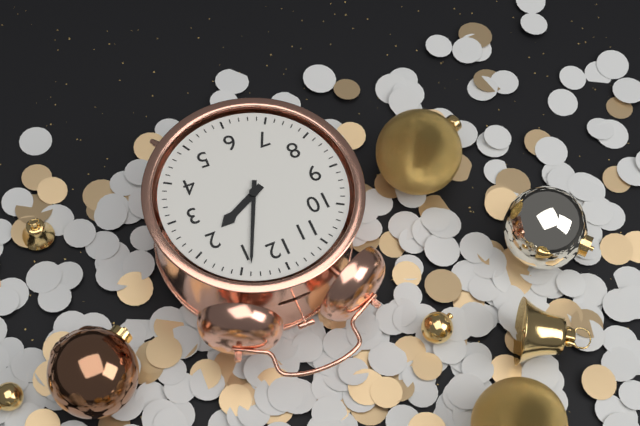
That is 2:04
